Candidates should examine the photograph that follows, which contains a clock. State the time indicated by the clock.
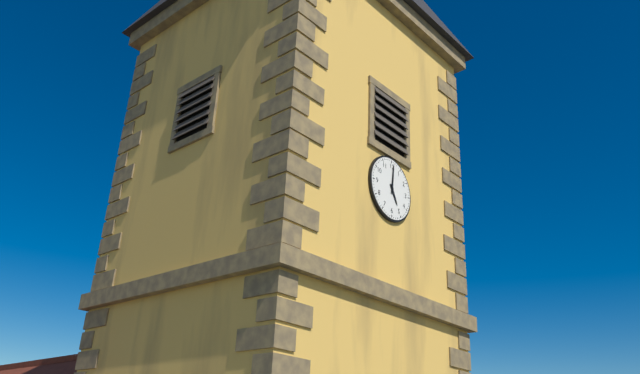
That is 5:01
